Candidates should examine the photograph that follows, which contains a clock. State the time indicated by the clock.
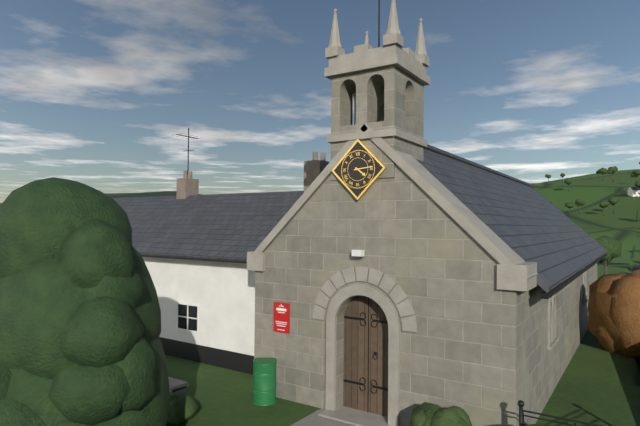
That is 4:14
